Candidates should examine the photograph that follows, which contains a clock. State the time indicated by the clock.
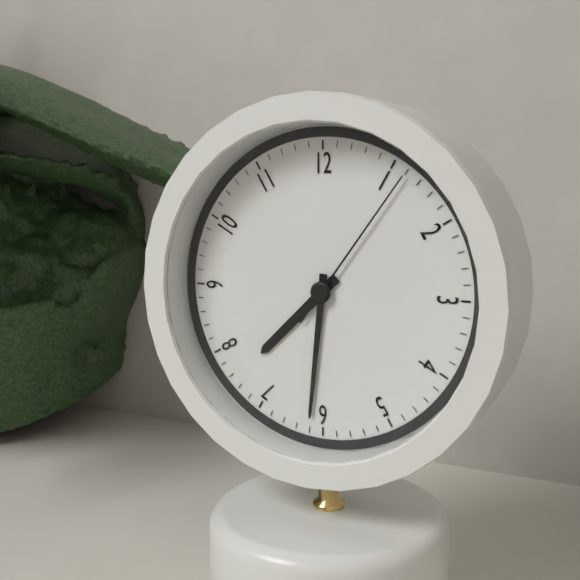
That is 7:31:06
